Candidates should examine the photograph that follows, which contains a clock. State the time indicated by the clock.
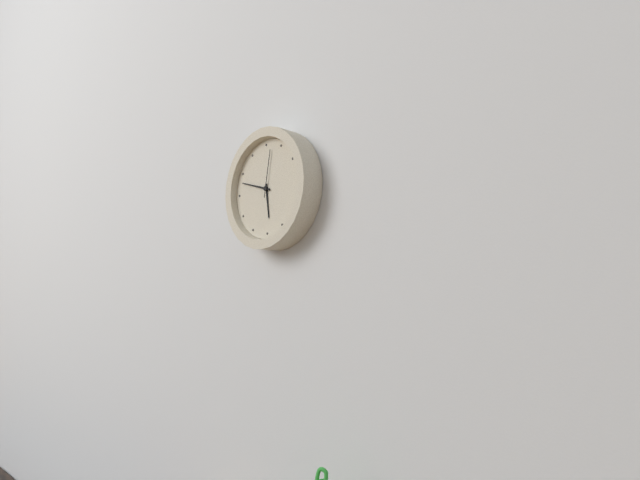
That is 5:48
